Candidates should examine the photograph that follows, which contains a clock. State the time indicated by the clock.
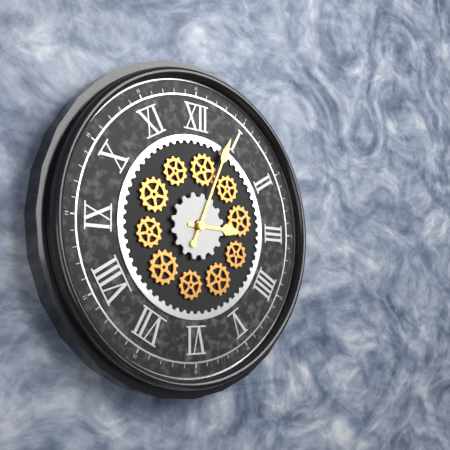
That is 3:04
